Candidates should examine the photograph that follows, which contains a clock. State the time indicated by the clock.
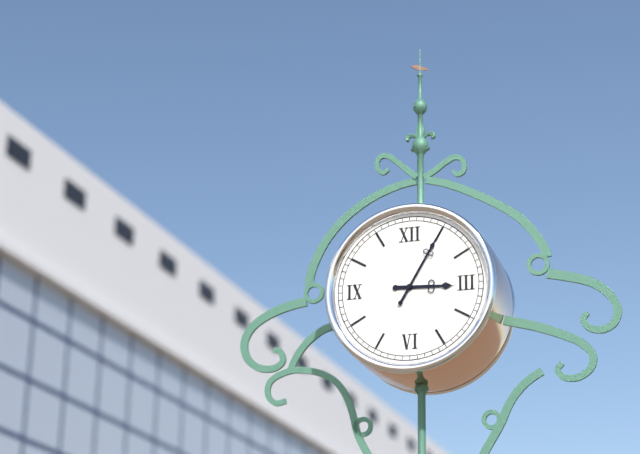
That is 3:05
